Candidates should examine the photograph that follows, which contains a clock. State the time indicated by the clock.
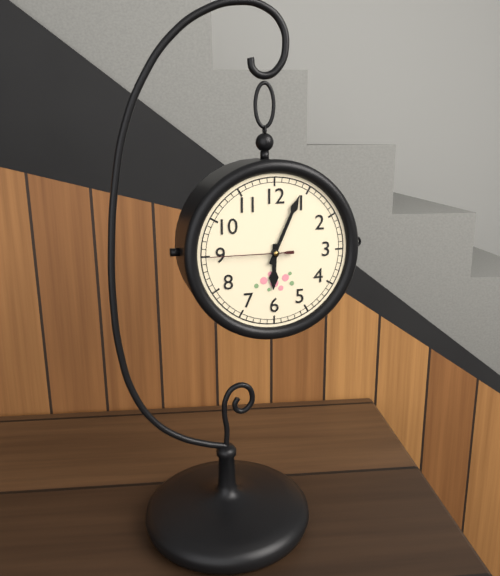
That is 6:04:45
